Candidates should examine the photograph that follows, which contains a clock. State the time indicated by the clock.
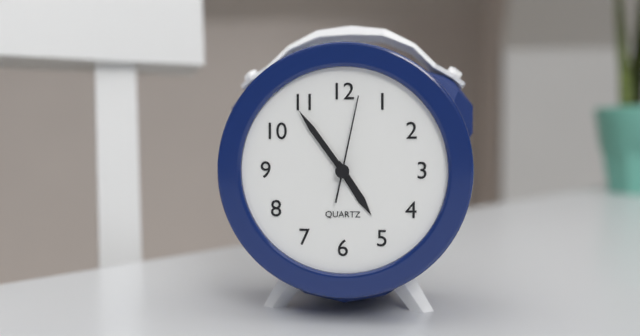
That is 4:54:02
